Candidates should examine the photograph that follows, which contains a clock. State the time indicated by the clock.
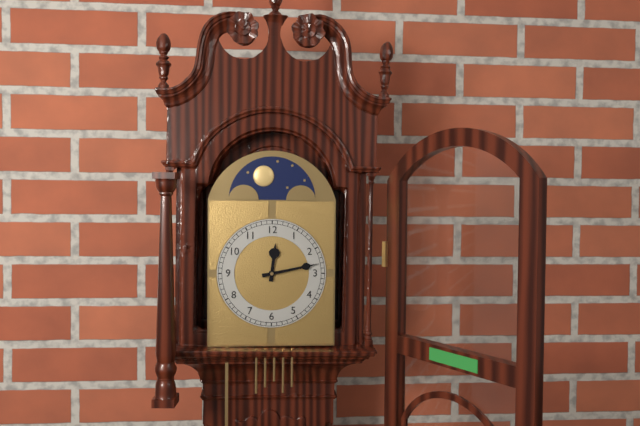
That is 12:13
